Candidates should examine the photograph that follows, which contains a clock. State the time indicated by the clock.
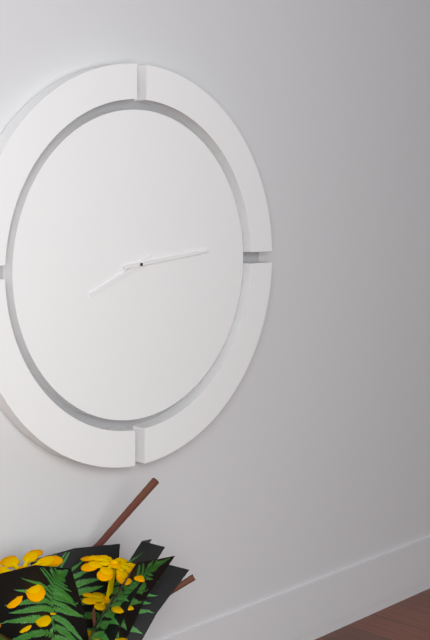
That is 8:14
